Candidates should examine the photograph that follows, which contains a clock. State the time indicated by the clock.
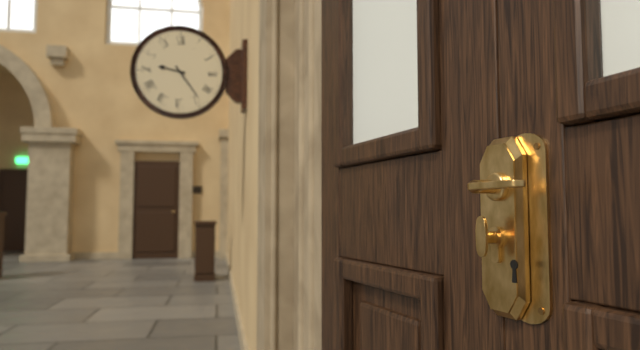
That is 9:24
